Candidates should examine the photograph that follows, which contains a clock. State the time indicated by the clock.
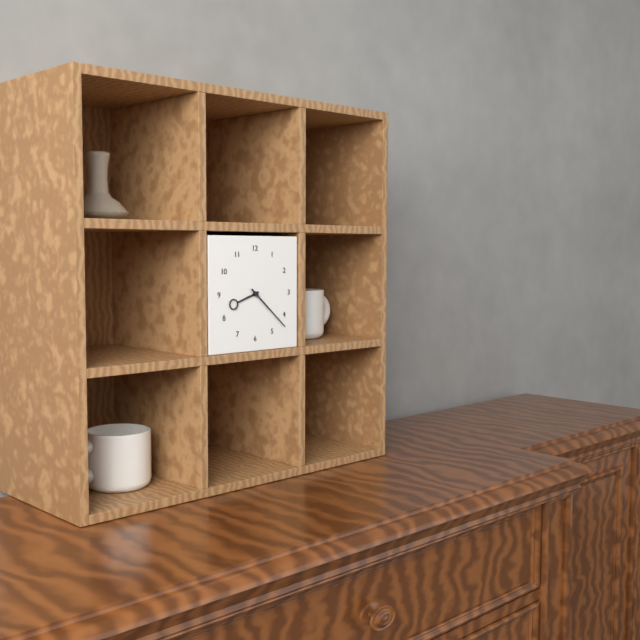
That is 8:22
